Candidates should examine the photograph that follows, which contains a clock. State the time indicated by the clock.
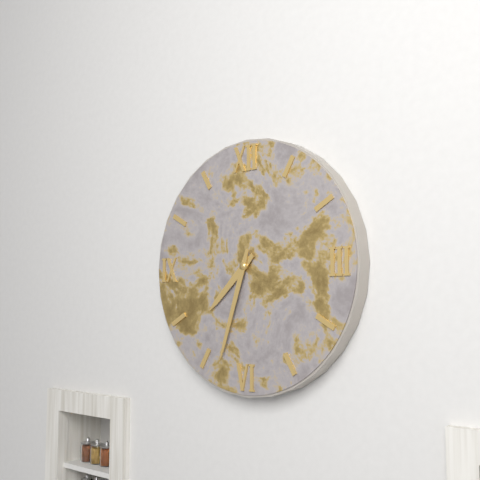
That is 7:33
